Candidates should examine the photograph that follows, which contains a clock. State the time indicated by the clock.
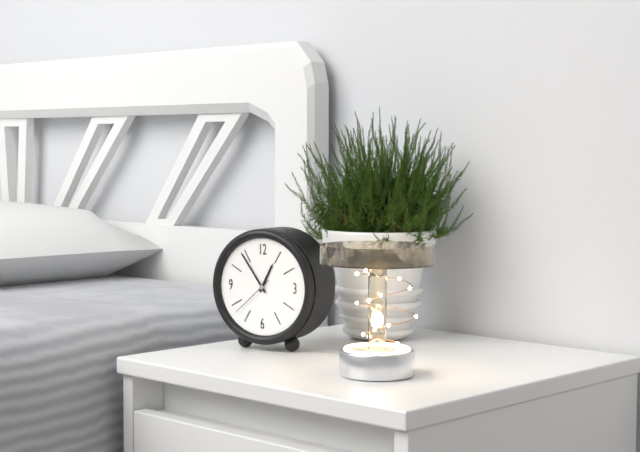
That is 12:54
